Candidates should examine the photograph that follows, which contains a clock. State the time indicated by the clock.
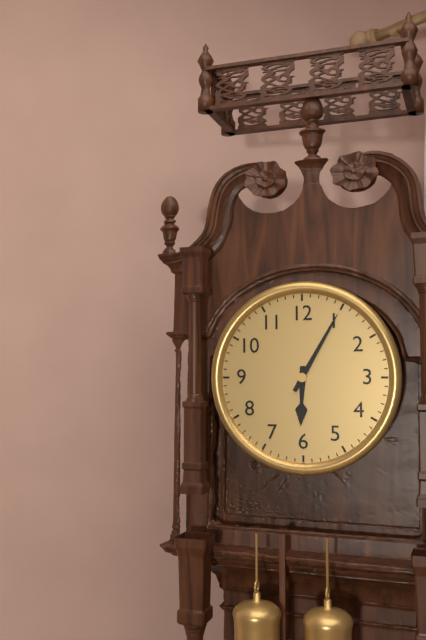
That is 6:05
